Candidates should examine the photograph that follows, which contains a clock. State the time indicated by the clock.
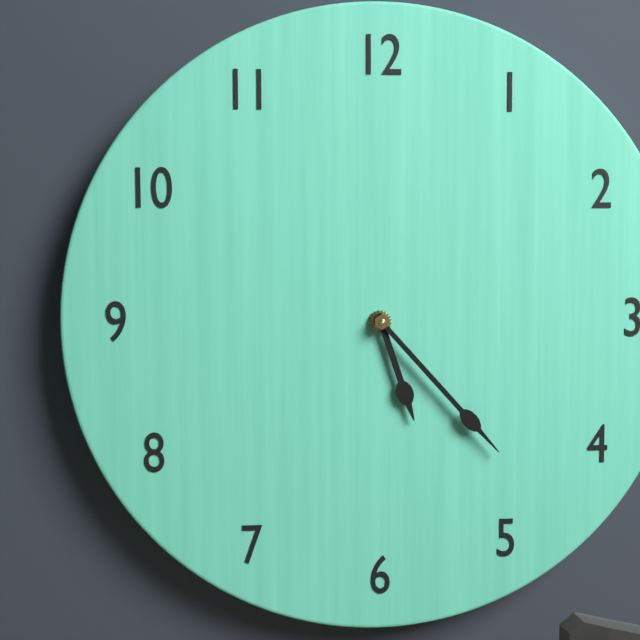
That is 5:23
